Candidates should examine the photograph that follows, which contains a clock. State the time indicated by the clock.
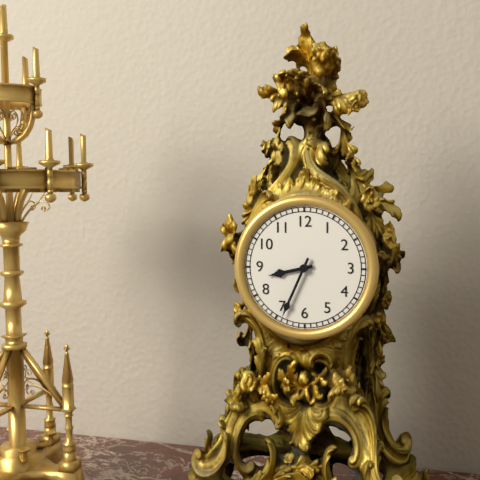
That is 8:34
